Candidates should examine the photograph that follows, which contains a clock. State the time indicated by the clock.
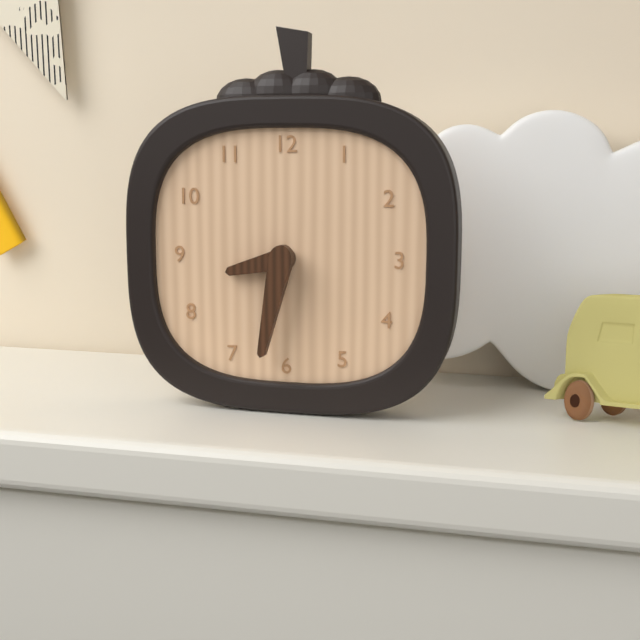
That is 8:32
